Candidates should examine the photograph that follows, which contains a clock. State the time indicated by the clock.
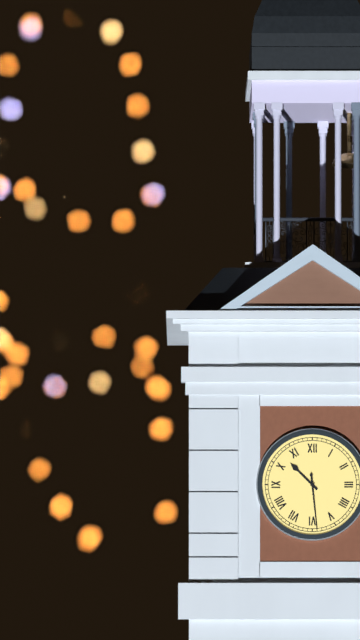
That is 10:29
